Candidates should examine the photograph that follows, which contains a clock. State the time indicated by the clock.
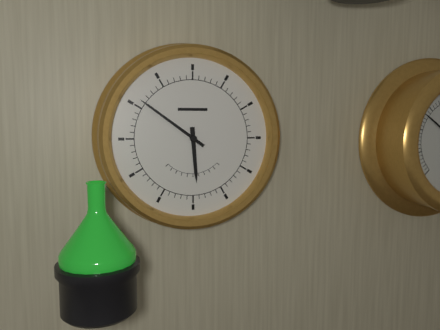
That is 5:51
